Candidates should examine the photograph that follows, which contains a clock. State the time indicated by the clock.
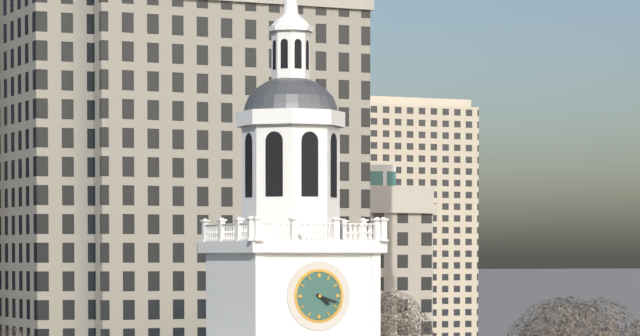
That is 4:18
